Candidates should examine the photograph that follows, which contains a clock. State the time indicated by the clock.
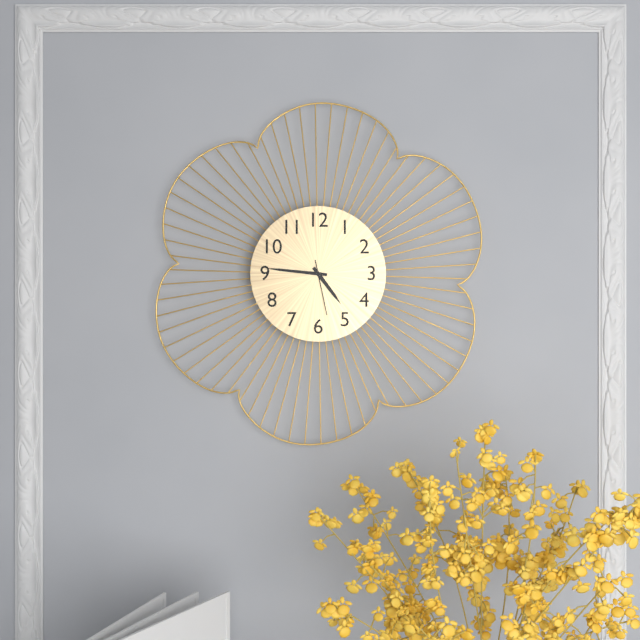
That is 4:46:28
